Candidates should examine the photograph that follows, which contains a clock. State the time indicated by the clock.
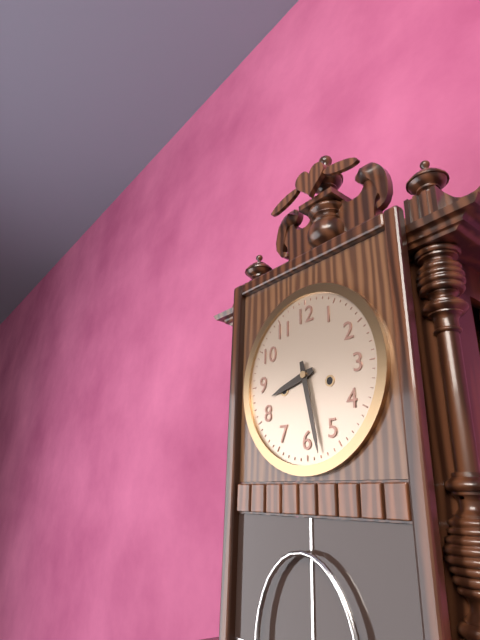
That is 8:28
